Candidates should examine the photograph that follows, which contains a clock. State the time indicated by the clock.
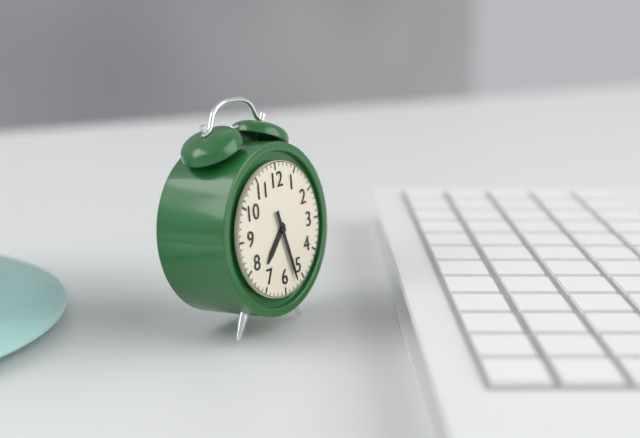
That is 7:27
